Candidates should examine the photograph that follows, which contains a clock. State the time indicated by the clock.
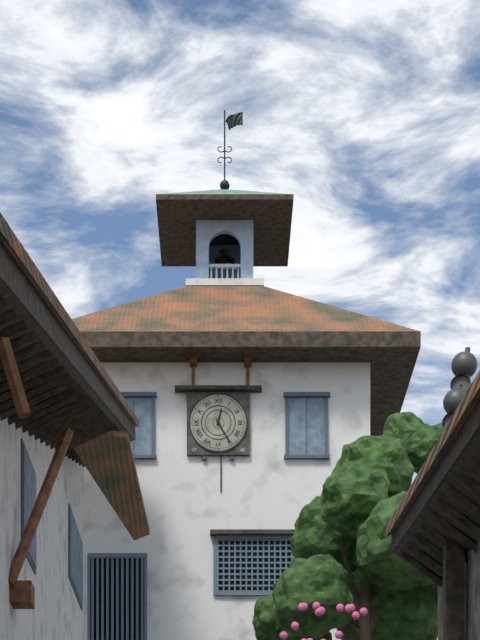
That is 12:25
